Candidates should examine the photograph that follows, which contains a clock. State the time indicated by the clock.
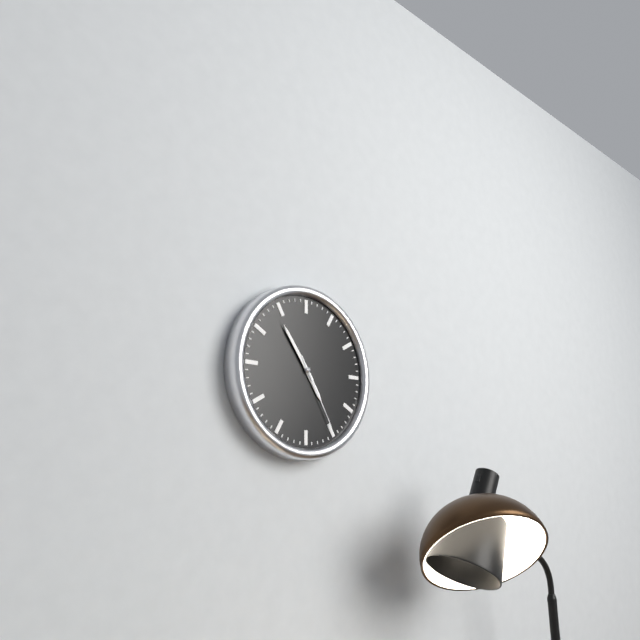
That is 4:54:25
